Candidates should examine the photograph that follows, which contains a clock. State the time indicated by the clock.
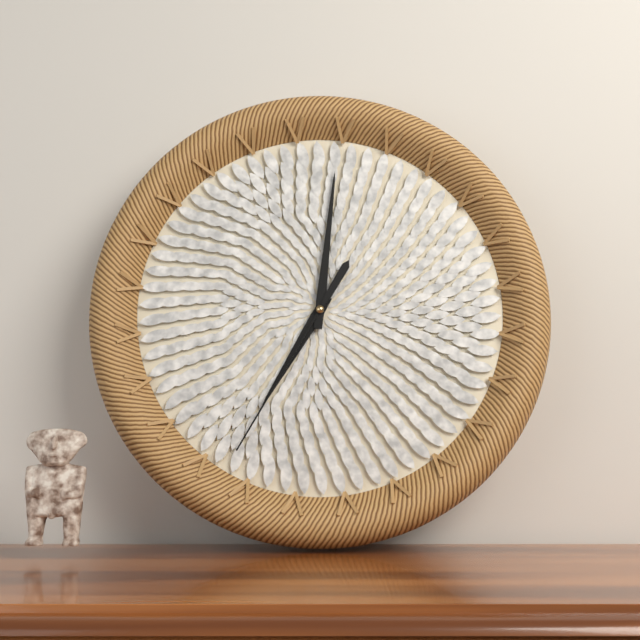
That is 7:01:35
